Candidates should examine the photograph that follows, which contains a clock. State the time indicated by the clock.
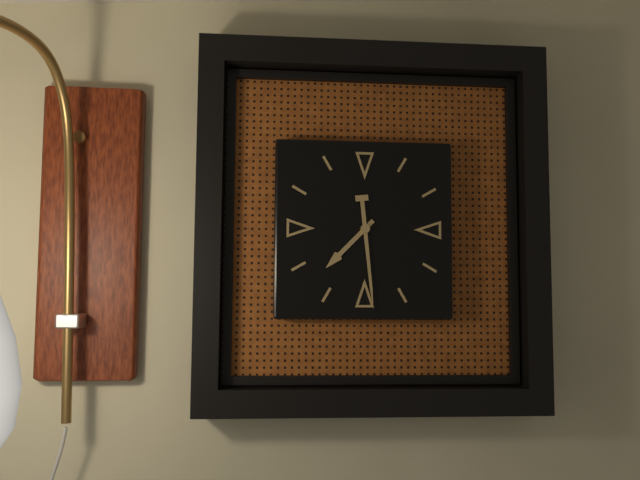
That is 7:29
